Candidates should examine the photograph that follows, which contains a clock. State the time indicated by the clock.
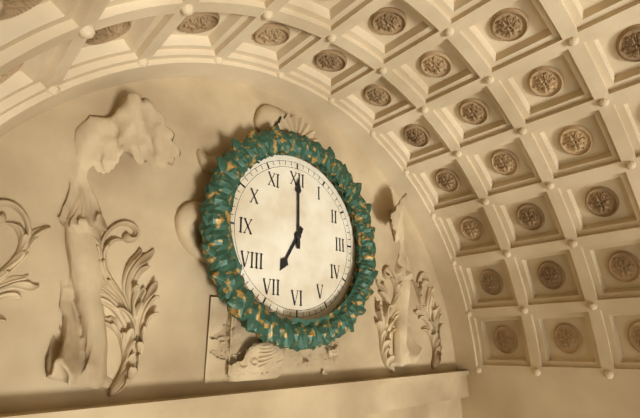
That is 7:00
